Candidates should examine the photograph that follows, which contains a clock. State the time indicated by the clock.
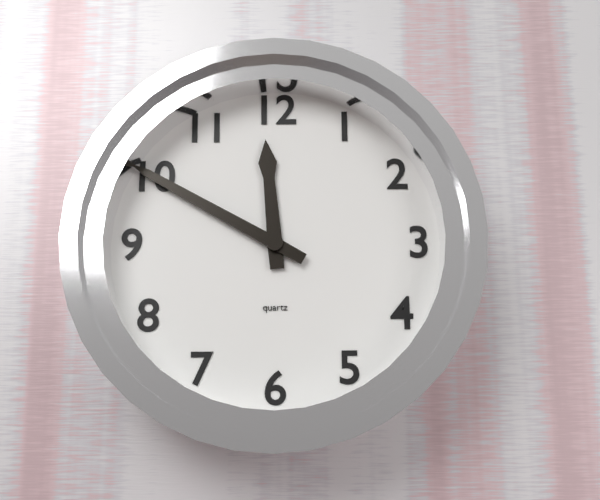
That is 11:50
